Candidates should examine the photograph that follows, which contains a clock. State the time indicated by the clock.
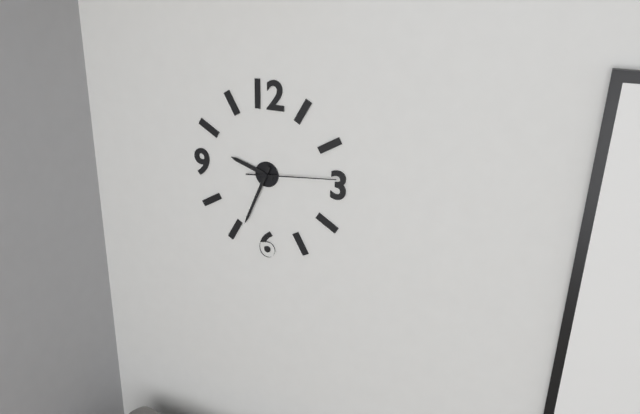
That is 9:34:14
